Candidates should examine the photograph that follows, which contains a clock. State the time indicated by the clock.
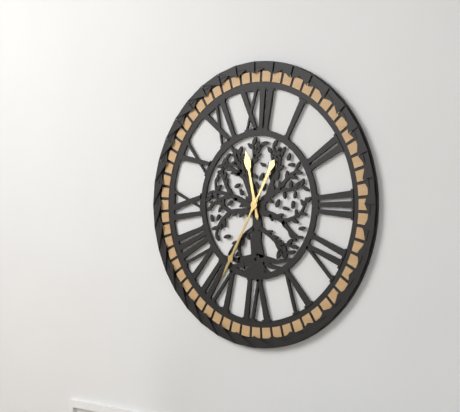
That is 11:35
